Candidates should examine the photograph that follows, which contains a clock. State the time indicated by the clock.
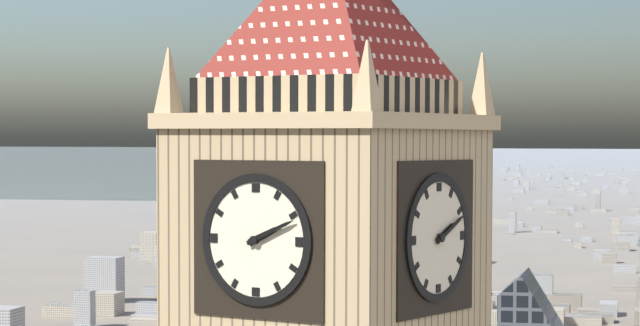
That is 2:11
